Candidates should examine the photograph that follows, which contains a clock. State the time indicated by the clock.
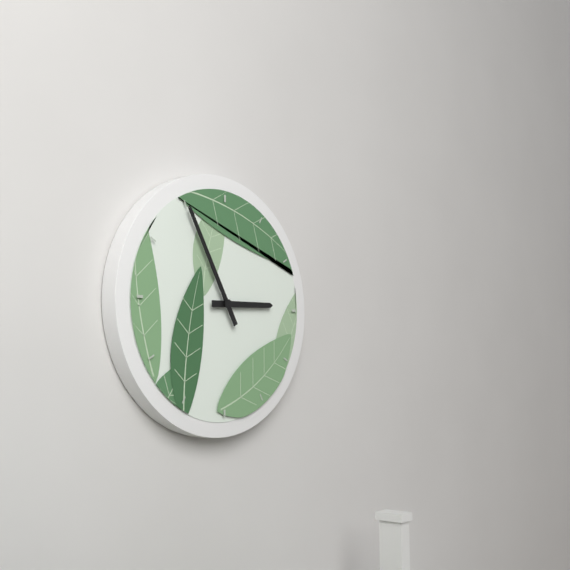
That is 2:55
